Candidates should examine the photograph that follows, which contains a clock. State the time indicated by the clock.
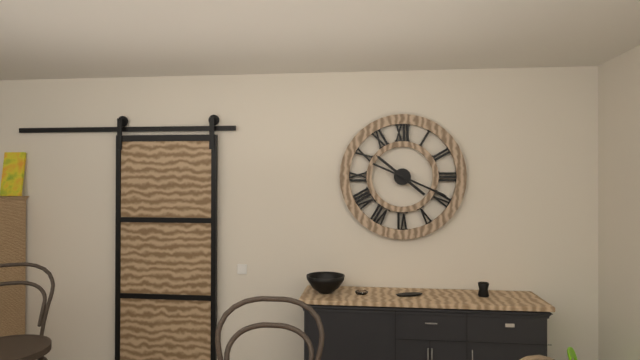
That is 10:19
